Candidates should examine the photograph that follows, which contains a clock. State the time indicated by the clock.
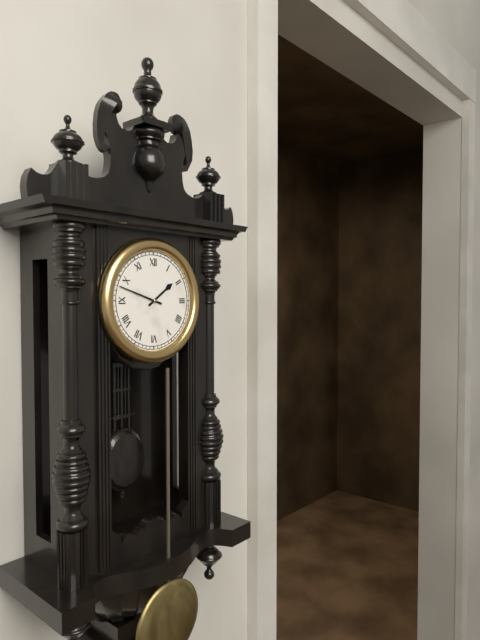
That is 1:48
